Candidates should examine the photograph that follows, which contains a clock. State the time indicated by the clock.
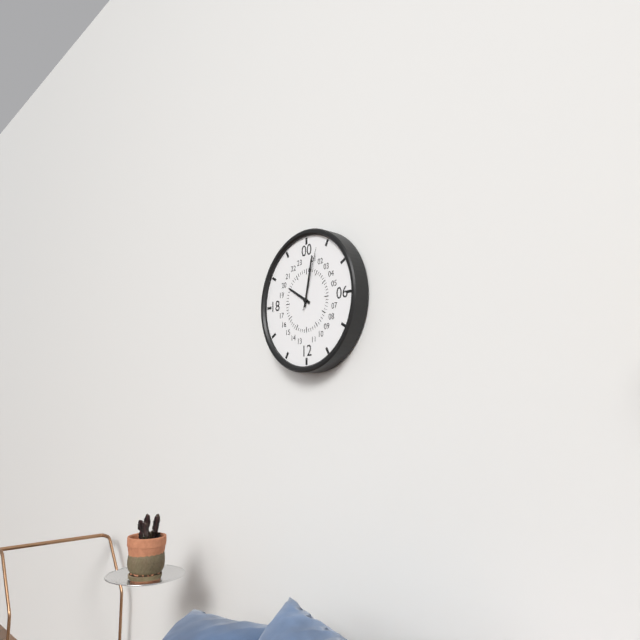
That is 10:02:03
